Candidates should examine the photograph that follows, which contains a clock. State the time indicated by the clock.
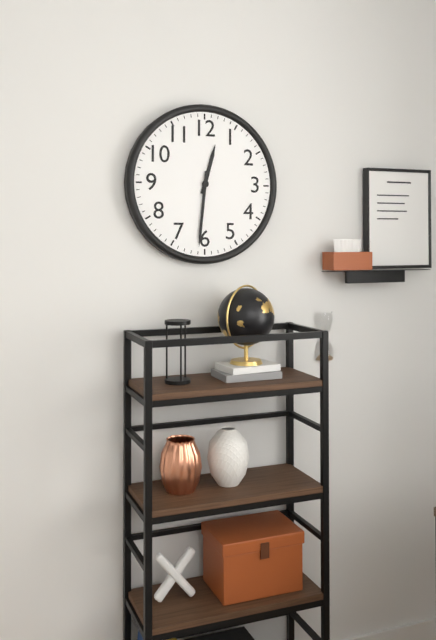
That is 12:31
